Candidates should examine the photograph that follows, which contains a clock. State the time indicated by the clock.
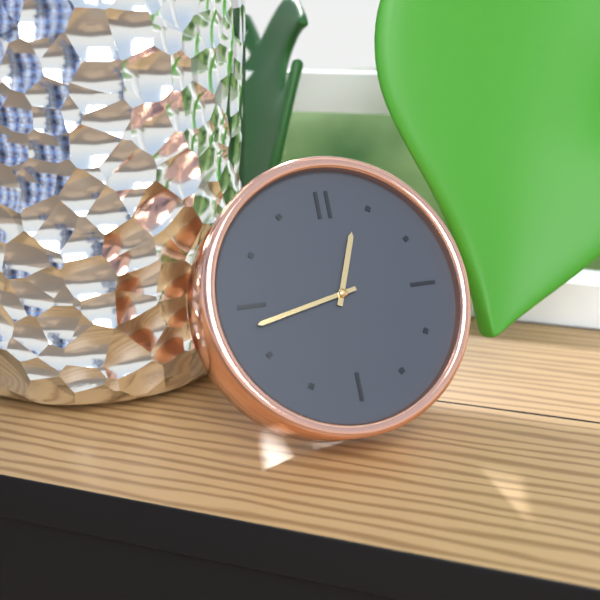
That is 12:43
